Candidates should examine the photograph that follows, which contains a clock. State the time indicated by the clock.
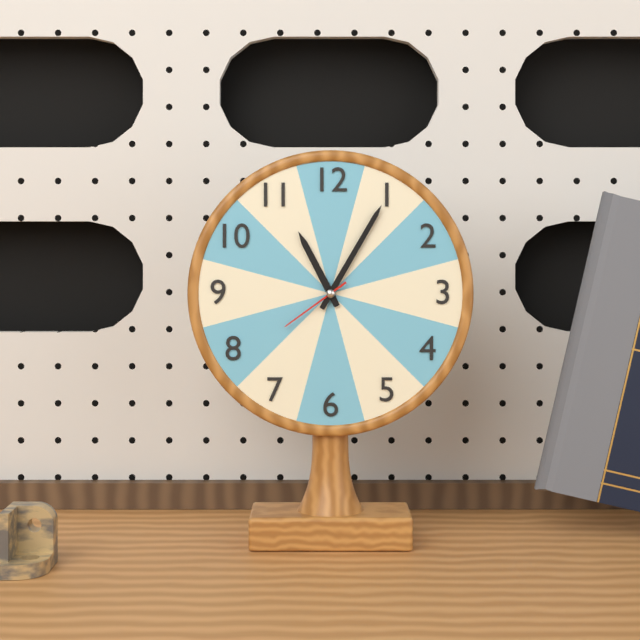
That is 11:05:39
